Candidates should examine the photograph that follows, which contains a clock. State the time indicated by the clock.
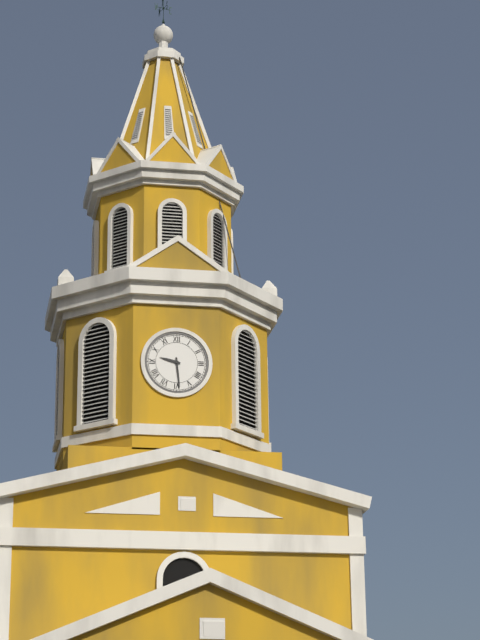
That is 9:29
